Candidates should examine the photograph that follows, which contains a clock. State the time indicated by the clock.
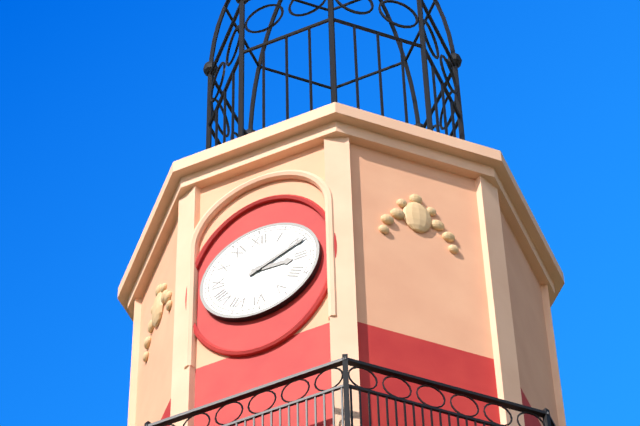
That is 3:11
